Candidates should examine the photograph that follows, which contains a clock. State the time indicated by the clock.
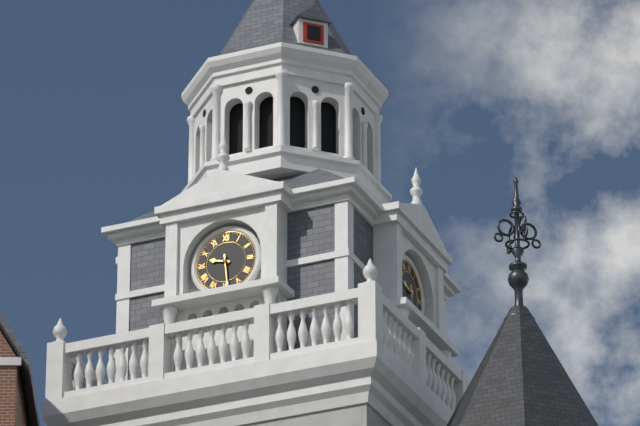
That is 9:29
